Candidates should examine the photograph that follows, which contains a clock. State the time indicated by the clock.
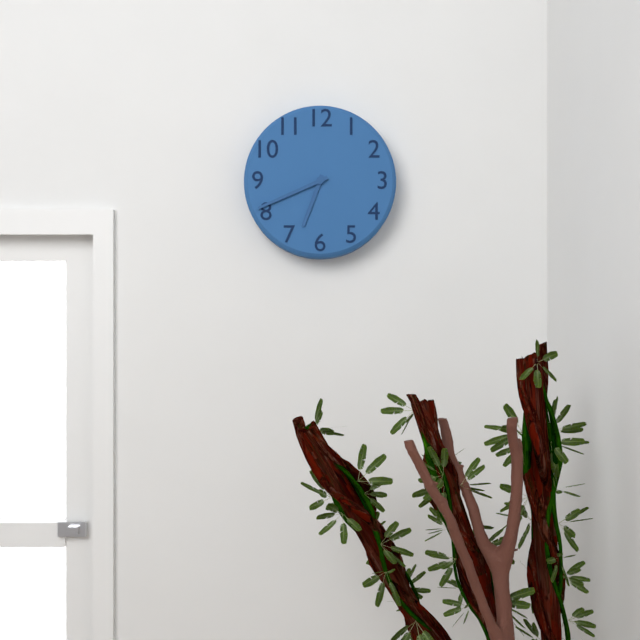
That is 6:41
